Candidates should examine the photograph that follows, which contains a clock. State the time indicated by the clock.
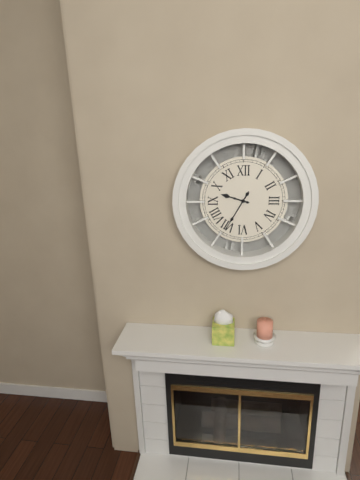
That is 9:35
